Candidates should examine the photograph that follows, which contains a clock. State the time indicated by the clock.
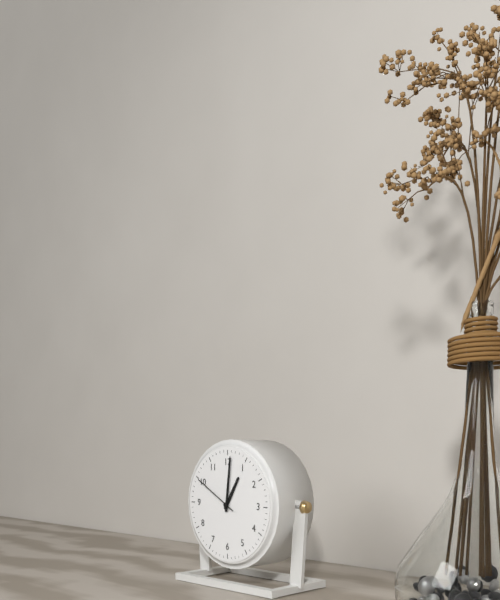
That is 1:01
